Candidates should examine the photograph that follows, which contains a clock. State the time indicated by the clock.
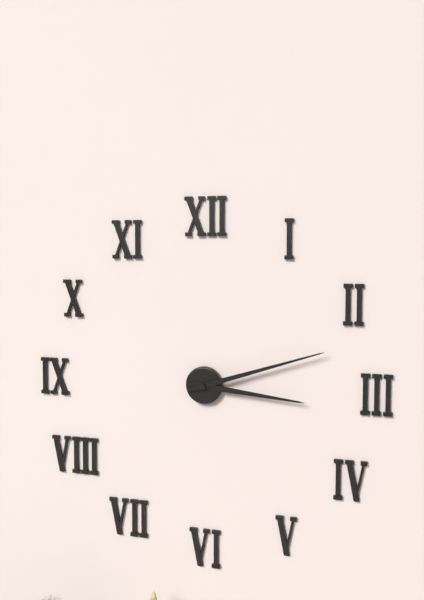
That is 3:12
